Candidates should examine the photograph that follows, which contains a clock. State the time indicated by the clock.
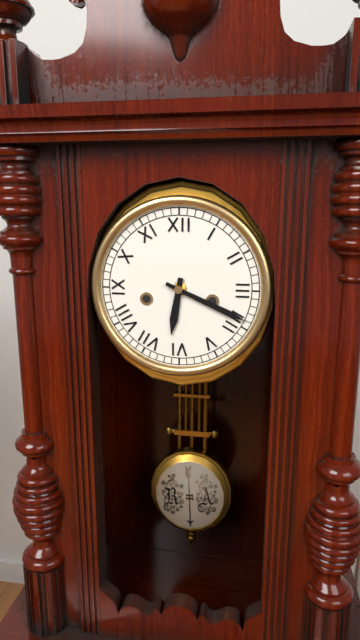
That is 6:19
